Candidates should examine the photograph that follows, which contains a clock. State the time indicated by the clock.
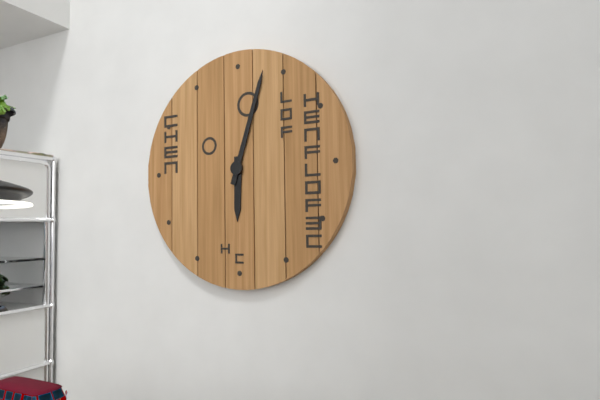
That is 6:03
